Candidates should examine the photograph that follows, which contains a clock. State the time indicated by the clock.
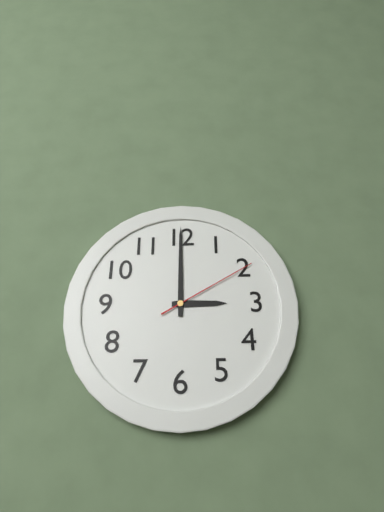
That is 3:00:10
